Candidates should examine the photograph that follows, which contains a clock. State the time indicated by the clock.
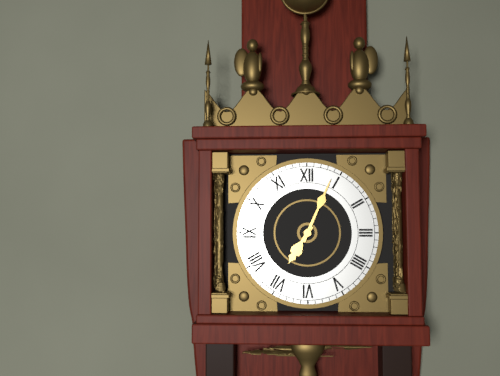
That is 7:04
